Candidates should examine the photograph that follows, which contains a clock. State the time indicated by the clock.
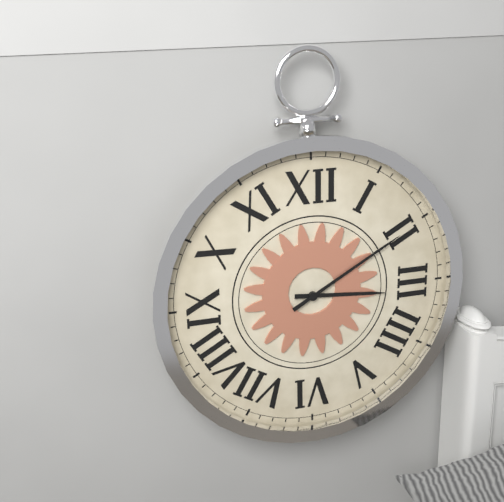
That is 3:10
